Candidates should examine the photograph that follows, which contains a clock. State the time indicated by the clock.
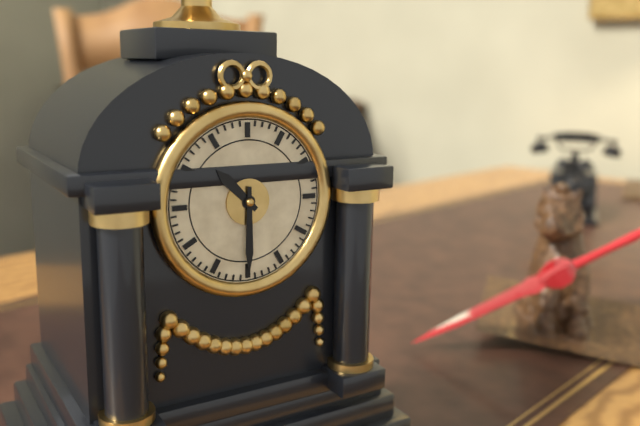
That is 10:30
